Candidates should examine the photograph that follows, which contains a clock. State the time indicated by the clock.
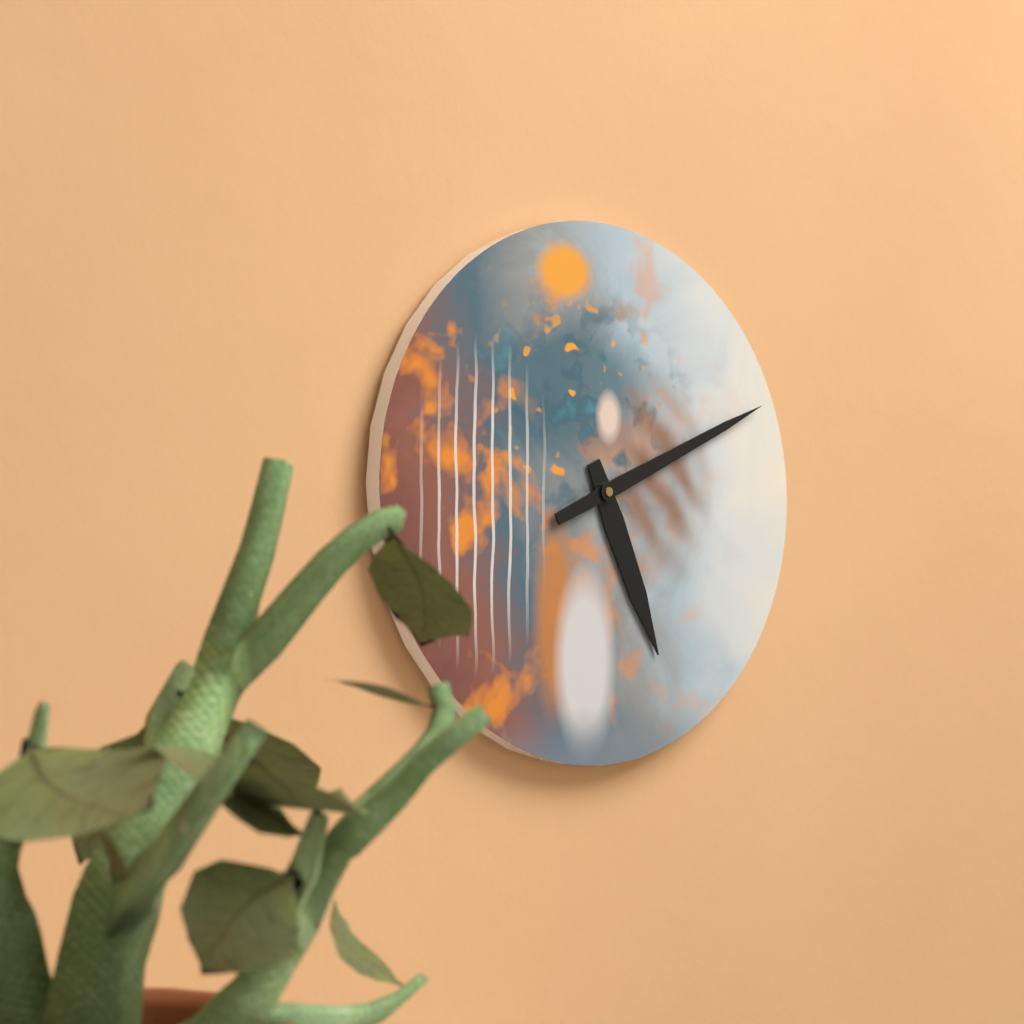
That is 5:11
